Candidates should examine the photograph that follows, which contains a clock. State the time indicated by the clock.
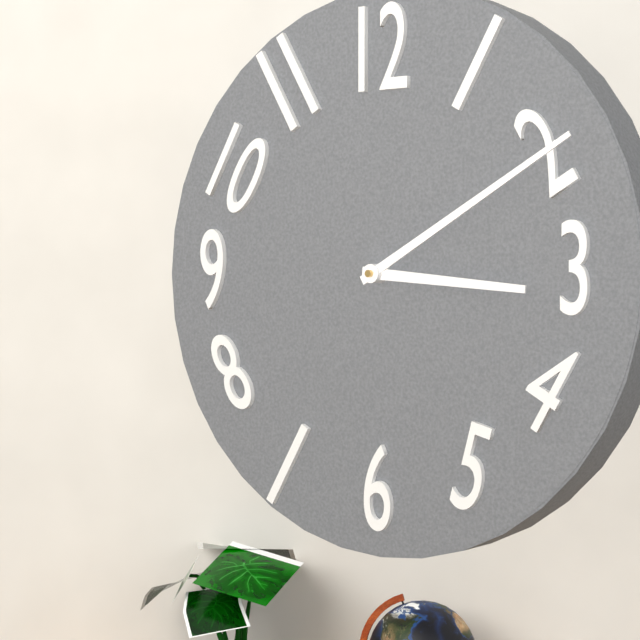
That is 3:10
